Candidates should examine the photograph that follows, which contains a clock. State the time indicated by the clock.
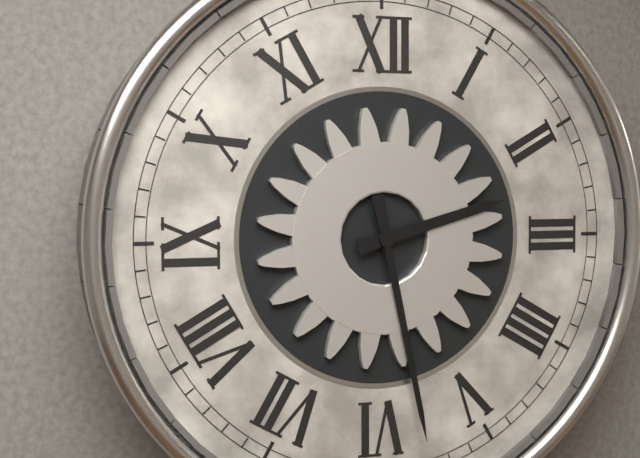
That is 2:28
